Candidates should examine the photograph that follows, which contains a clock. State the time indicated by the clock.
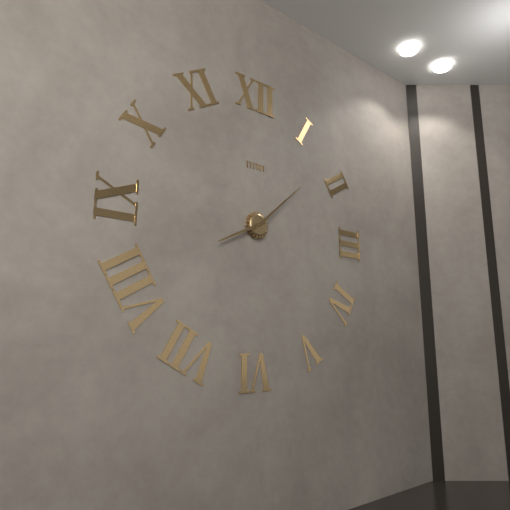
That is 8:08
